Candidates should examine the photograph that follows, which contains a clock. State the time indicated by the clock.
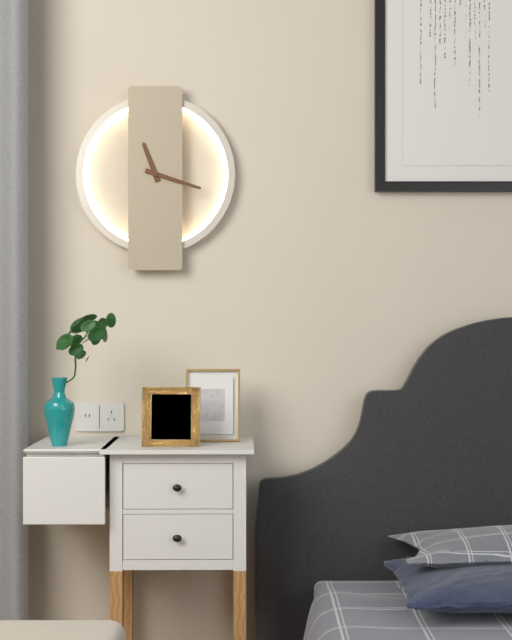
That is 11:18
